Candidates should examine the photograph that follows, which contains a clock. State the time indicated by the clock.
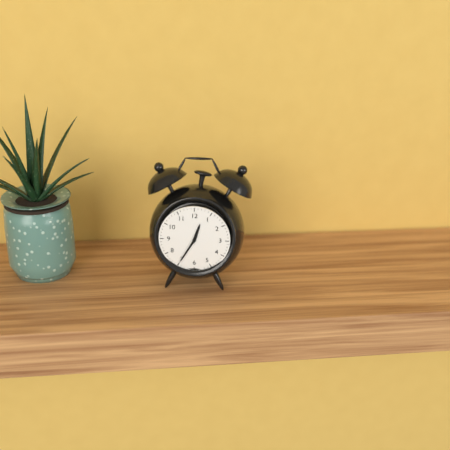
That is 12:35
